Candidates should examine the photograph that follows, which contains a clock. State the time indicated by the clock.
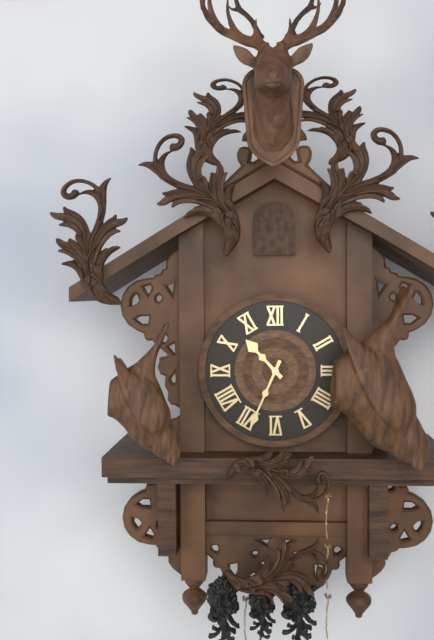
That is 10:34
